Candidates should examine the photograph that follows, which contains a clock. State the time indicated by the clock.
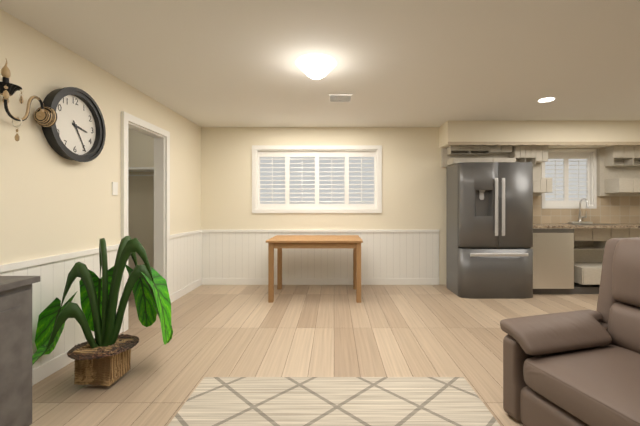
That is 3:25
